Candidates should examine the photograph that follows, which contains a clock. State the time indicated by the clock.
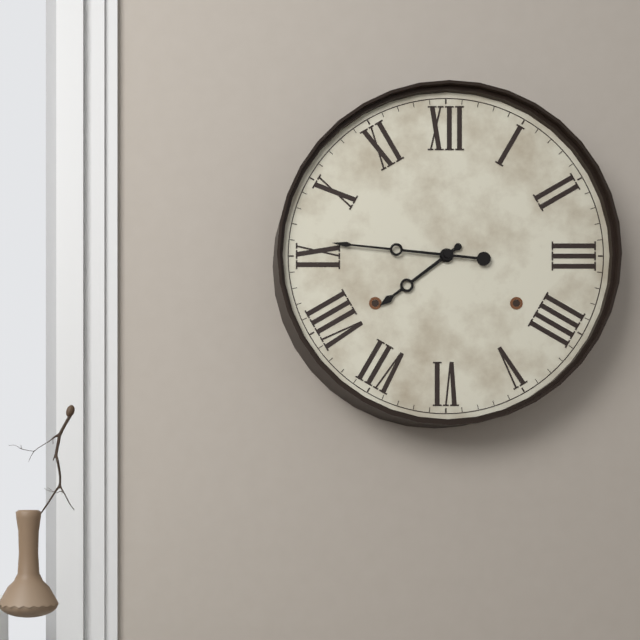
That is 7:46
